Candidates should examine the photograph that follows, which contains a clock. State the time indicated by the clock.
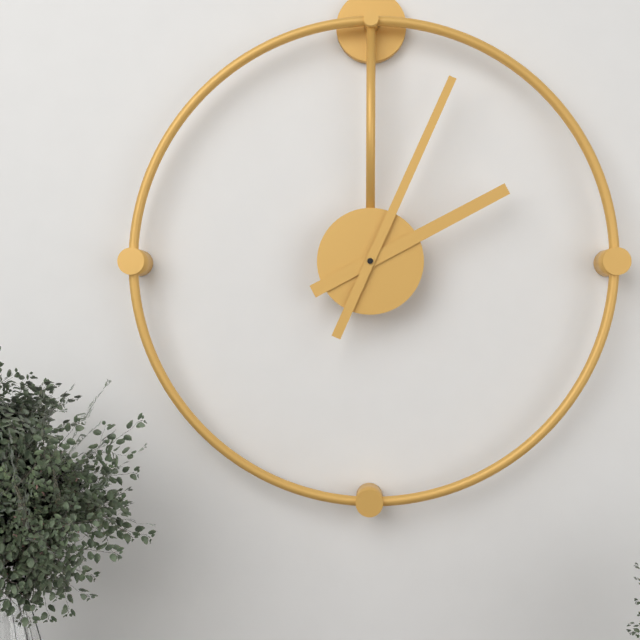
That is 2:04
